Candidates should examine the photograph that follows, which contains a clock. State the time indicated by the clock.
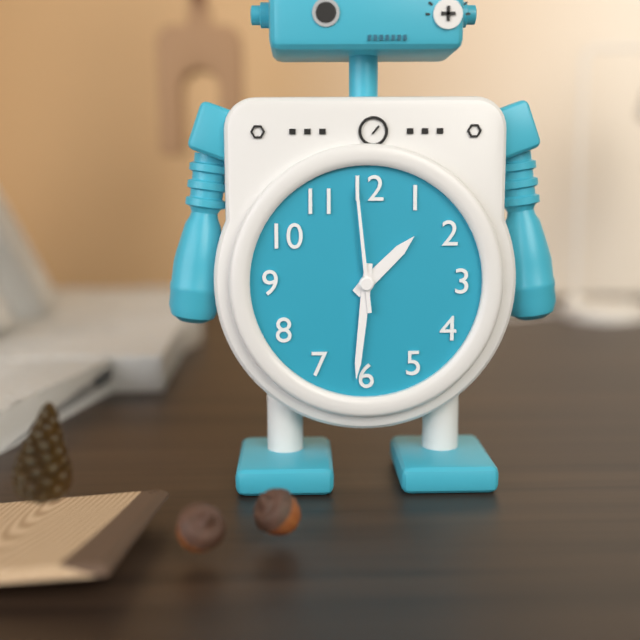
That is 1:31:59
